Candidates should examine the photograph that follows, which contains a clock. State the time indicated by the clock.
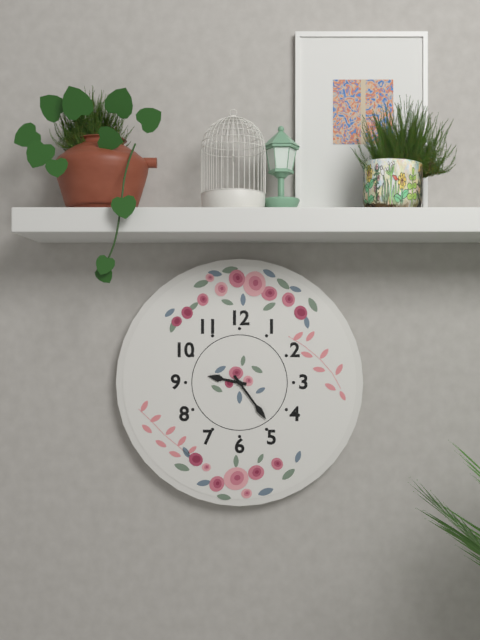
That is 9:24
